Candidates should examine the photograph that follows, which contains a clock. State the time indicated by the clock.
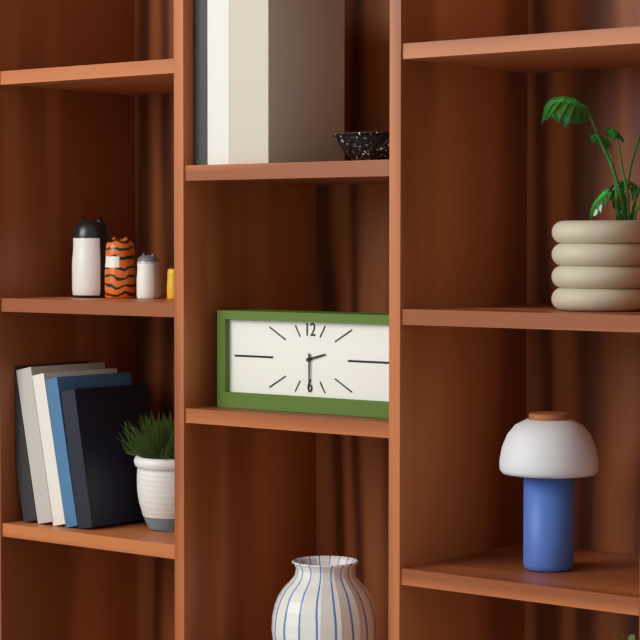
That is 2:30
